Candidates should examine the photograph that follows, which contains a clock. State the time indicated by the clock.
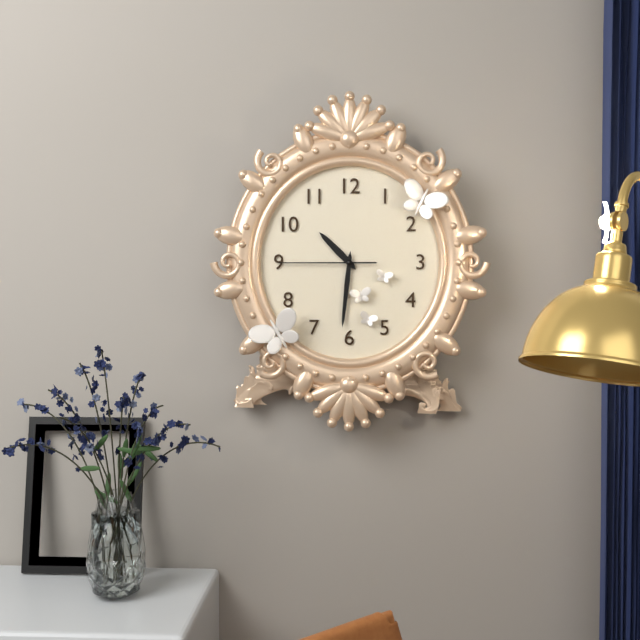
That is 10:31:45
